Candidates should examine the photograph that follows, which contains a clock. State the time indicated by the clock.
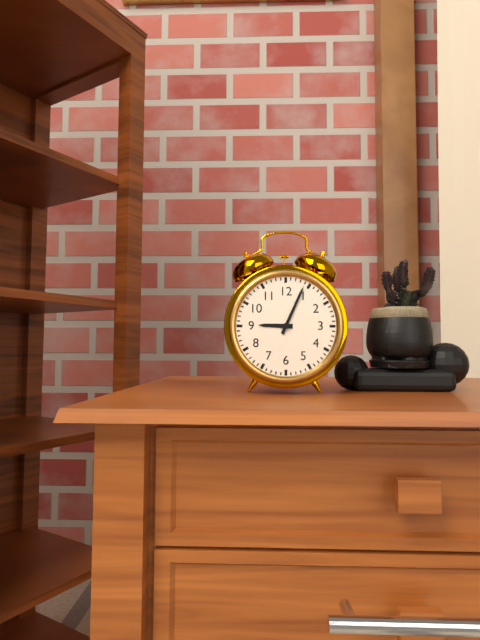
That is 9:04
